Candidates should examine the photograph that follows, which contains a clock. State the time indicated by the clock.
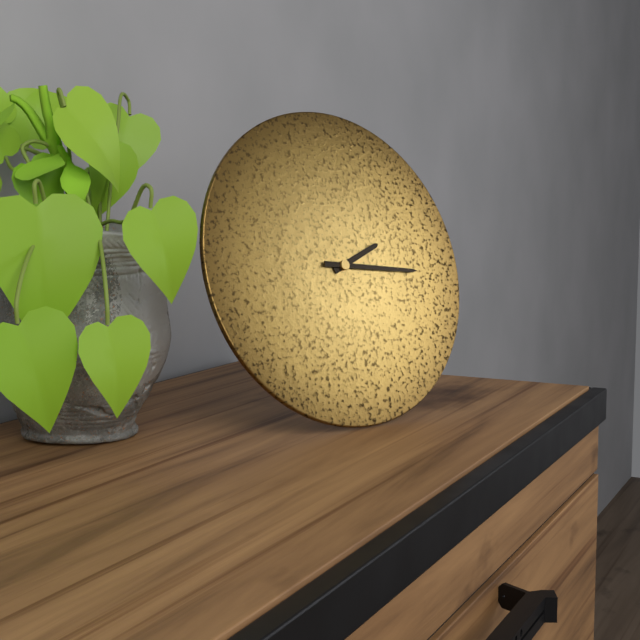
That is 2:16
